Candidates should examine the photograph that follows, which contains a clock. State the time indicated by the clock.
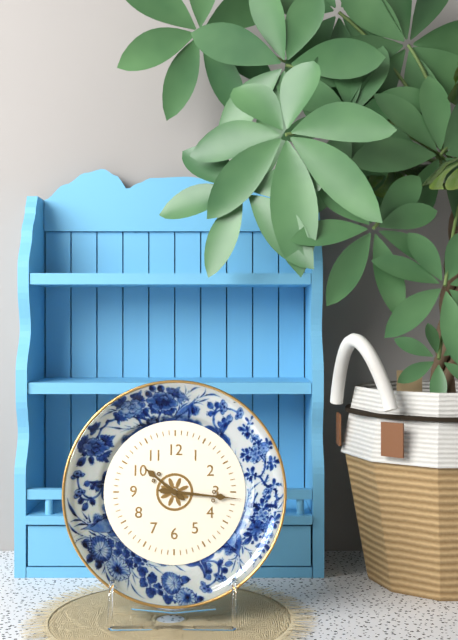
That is 10:16
